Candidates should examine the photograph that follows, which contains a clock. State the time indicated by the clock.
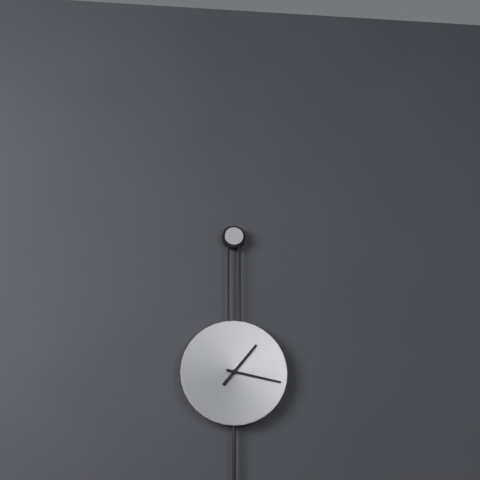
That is 1:17
